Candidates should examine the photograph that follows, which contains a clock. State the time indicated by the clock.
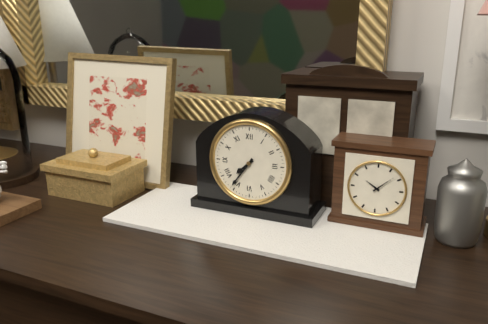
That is 7:36
